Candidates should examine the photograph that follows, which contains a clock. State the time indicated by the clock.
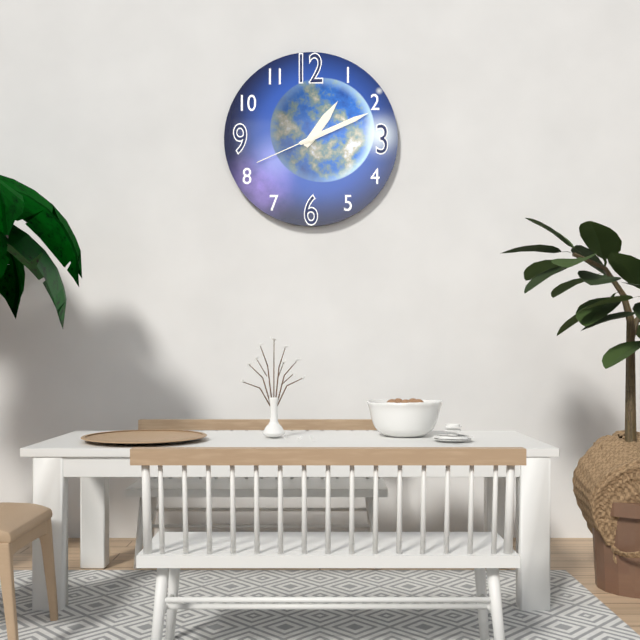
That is 1:11:41
